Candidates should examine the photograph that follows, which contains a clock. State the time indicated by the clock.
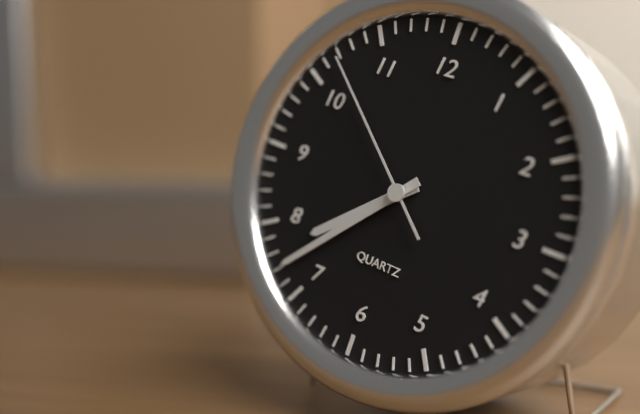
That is 7:37:52
